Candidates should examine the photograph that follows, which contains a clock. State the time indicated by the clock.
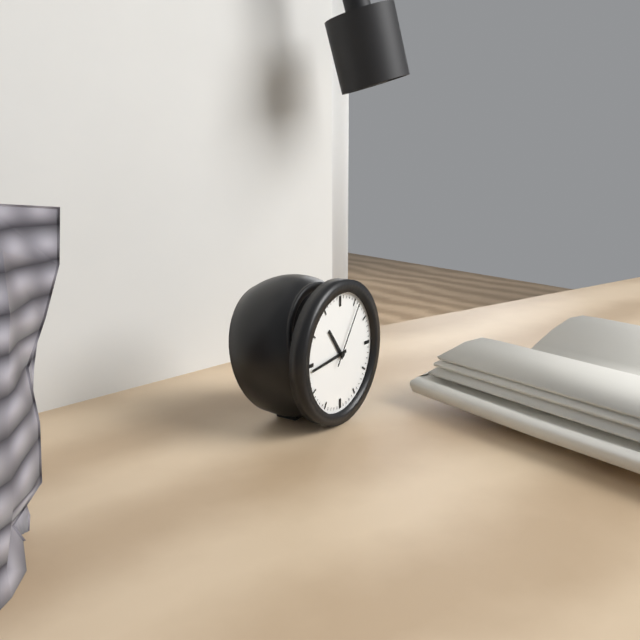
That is 10:44:06
